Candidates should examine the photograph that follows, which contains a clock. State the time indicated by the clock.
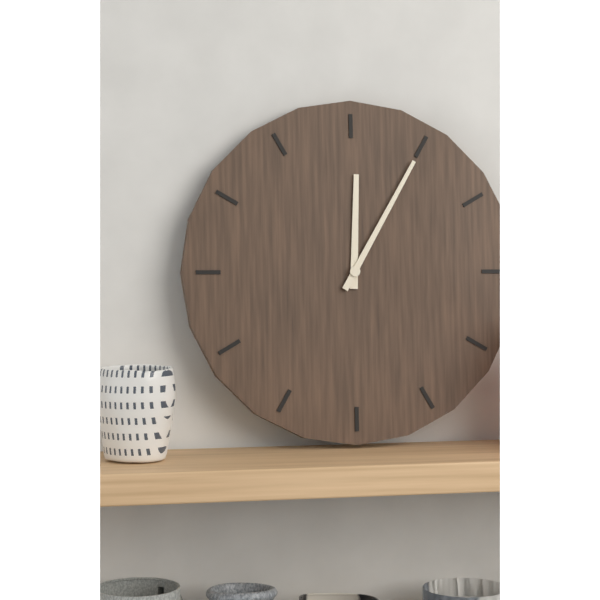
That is 12:05
